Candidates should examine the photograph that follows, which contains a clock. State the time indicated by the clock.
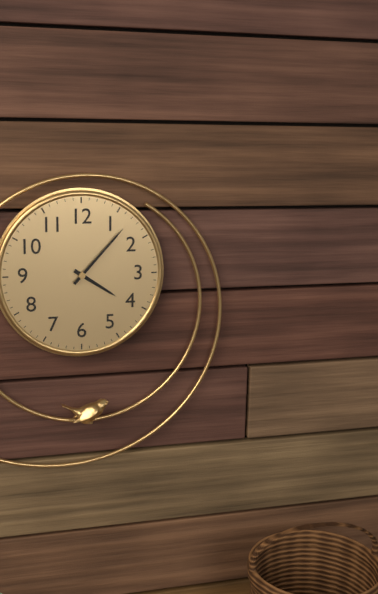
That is 4:07
